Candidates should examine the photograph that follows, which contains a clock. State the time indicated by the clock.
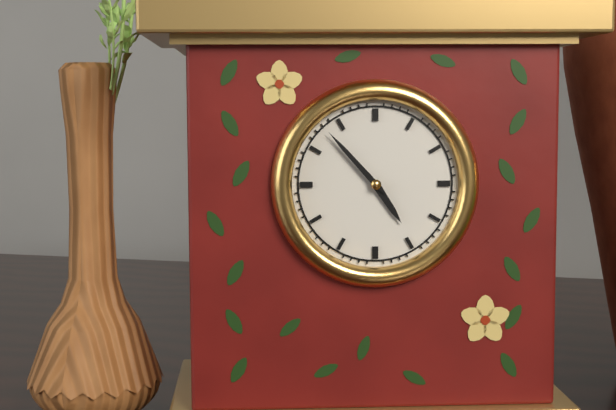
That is 4:53
